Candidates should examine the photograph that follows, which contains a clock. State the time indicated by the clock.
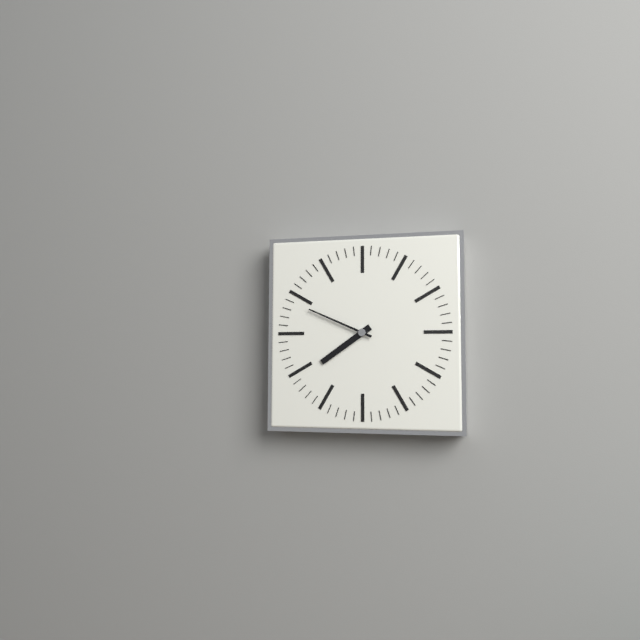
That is 7:49
